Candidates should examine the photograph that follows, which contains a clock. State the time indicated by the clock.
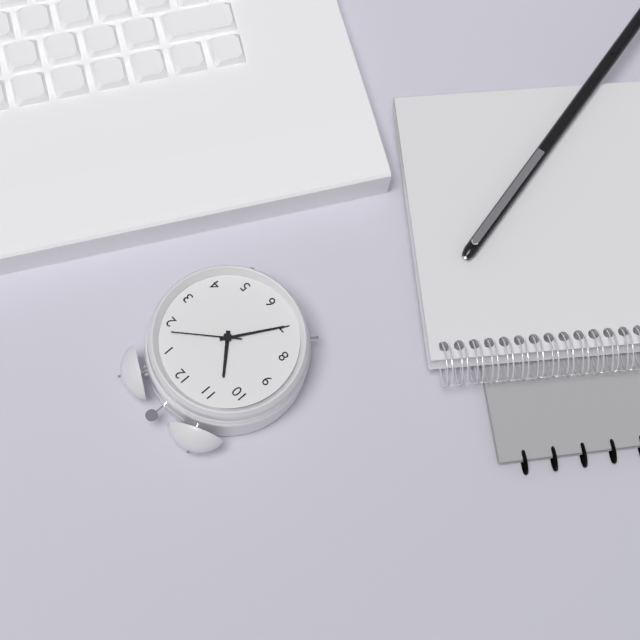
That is 10:35:08
